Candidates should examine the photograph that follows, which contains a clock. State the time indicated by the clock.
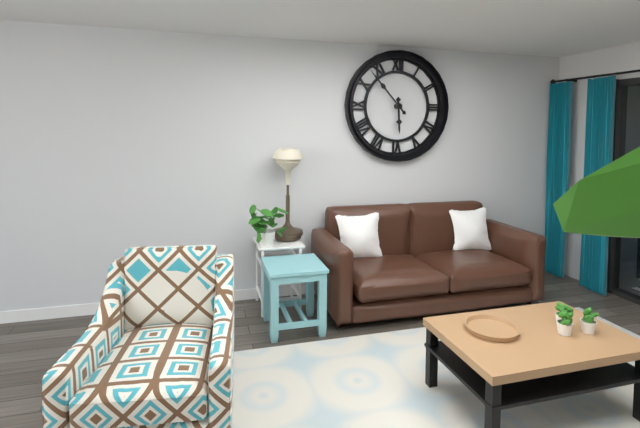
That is 5:53
